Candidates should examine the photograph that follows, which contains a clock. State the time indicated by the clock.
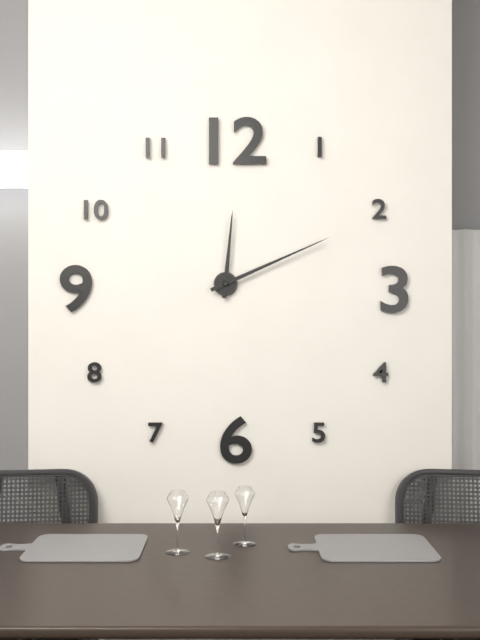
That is 12:11
